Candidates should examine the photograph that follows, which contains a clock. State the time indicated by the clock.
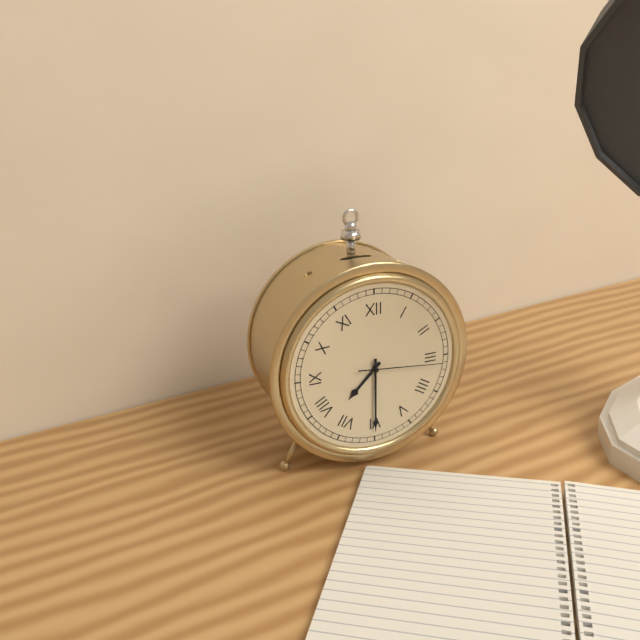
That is 7:30:16
